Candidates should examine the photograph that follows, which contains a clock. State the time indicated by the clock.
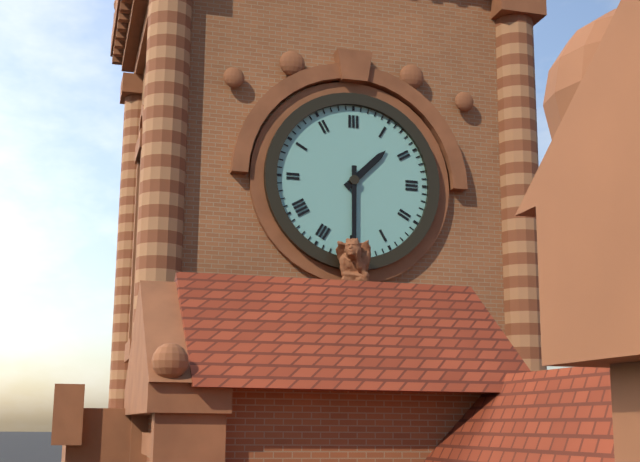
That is 1:30
